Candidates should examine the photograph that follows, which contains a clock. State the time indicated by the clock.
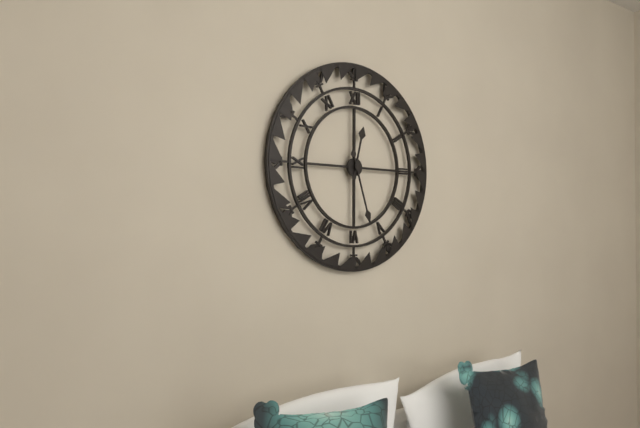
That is 12:27
